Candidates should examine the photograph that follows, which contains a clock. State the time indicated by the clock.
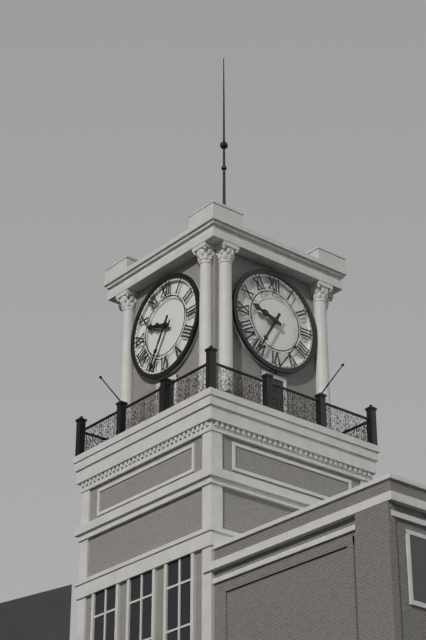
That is 9:35
